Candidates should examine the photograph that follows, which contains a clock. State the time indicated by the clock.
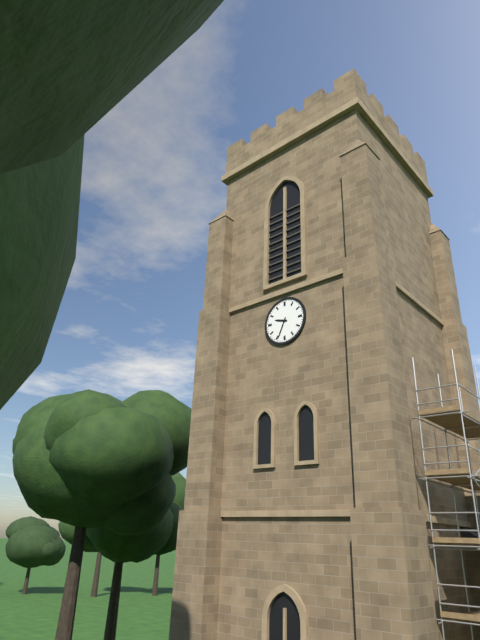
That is 9:34
